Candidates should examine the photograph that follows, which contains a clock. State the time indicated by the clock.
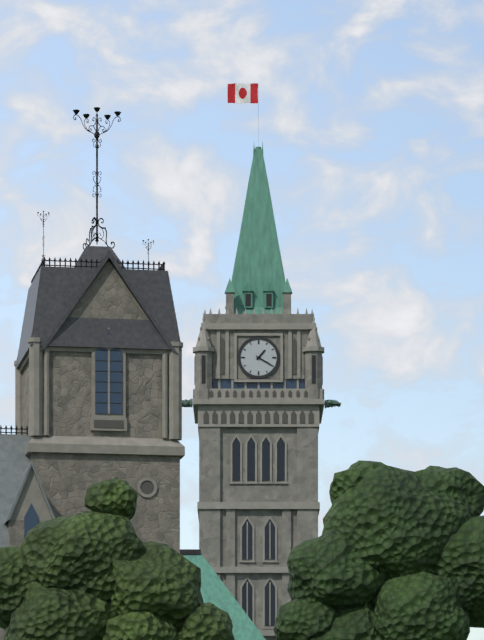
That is 1:20
